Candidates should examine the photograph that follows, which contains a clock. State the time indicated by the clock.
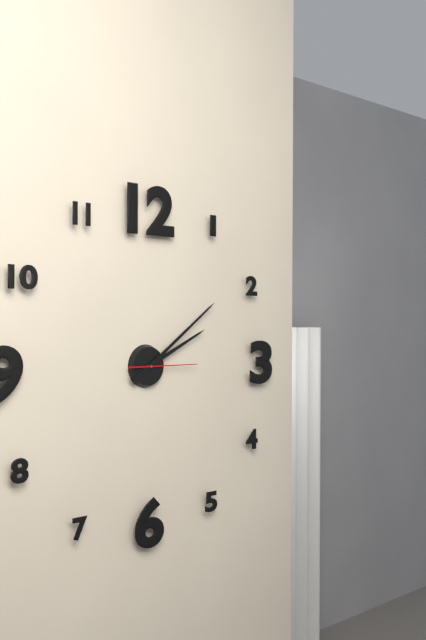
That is 2:09:15
